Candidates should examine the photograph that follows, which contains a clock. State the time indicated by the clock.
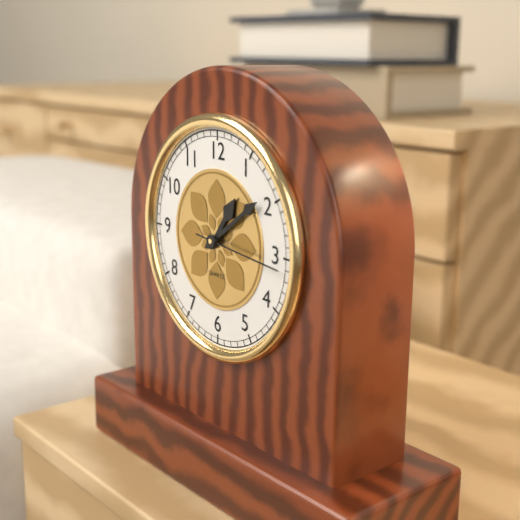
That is 1:09:16
